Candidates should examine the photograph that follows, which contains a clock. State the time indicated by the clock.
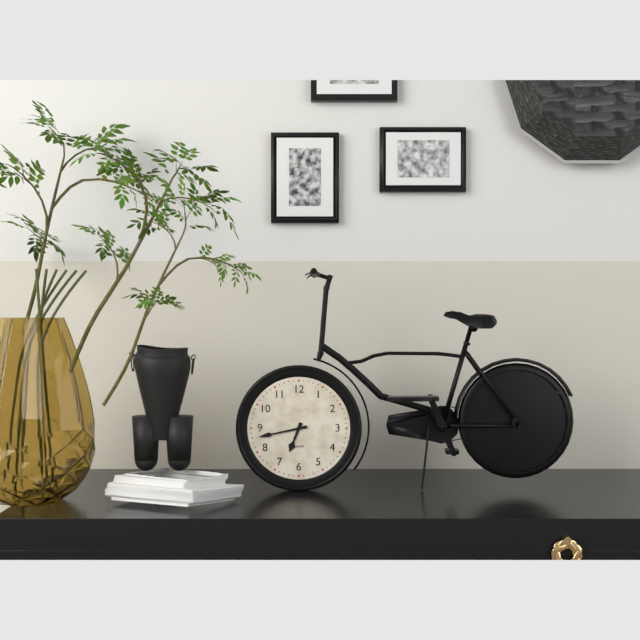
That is 6:43
